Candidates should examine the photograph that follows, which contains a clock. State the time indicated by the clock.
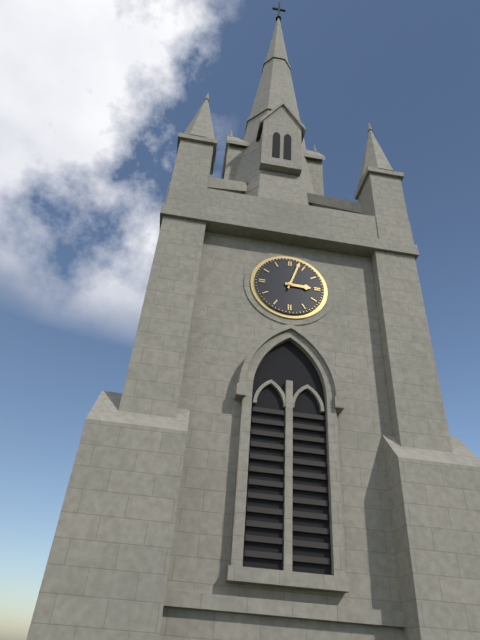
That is 3:03
